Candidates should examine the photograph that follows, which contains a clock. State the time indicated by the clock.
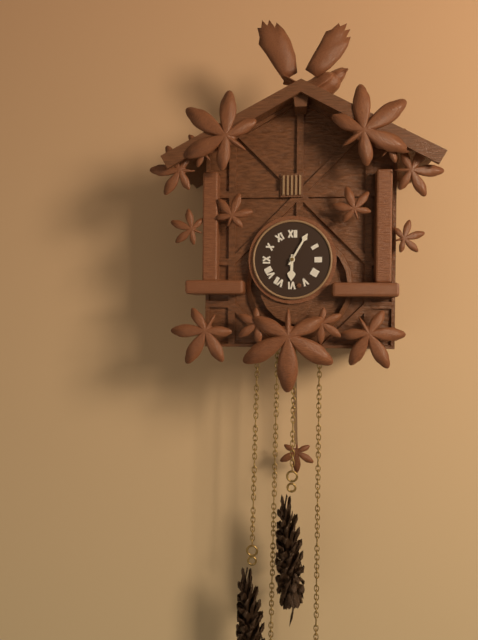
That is 6:05
